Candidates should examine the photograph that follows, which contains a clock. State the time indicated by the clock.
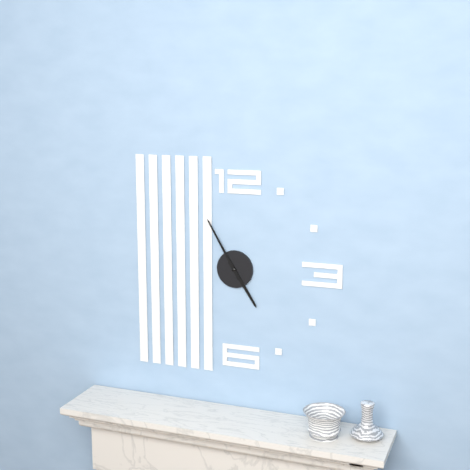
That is 4:55
